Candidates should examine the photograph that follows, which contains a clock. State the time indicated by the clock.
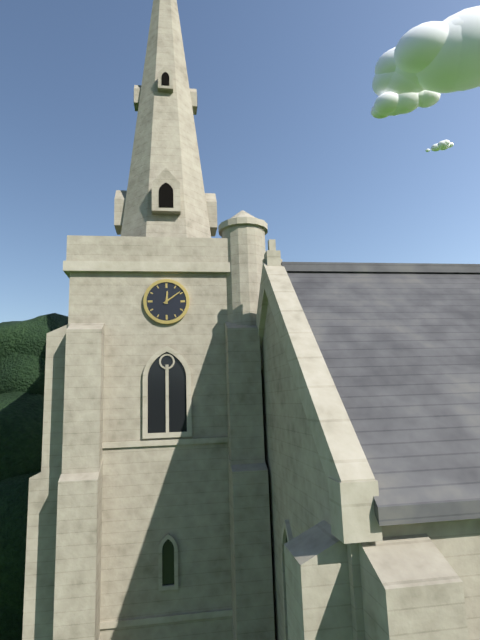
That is 12:09
